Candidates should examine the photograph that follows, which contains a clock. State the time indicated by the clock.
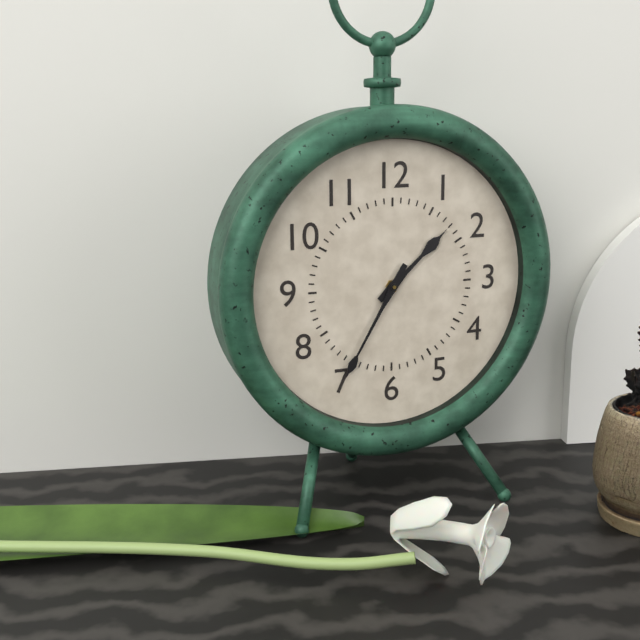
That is 1:35
